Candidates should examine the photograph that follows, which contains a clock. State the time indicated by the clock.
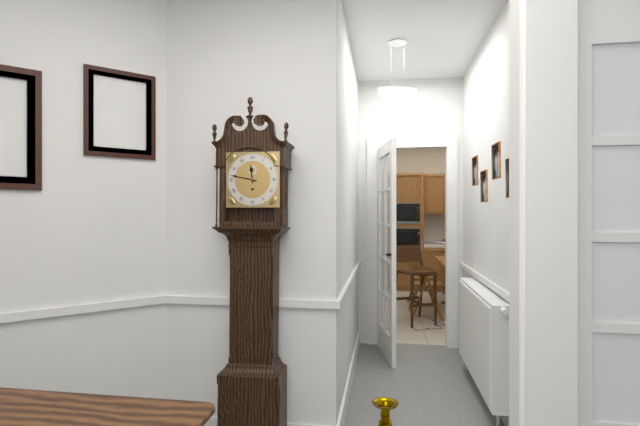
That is 11:47
